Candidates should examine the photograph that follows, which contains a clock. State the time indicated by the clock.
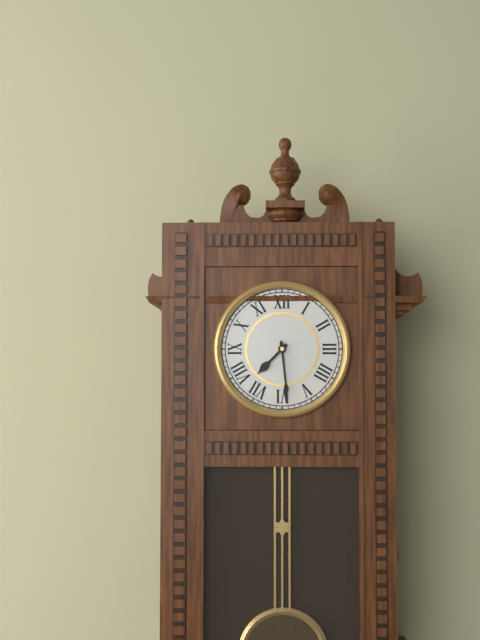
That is 7:29
